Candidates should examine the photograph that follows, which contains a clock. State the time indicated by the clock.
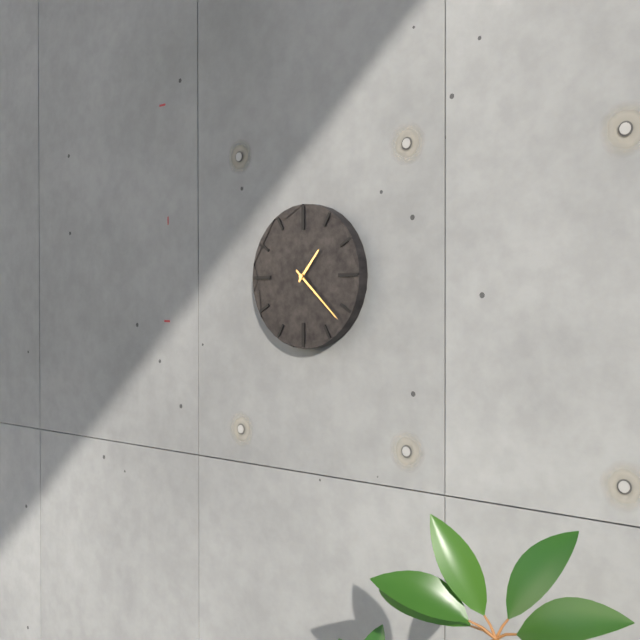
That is 1:22
